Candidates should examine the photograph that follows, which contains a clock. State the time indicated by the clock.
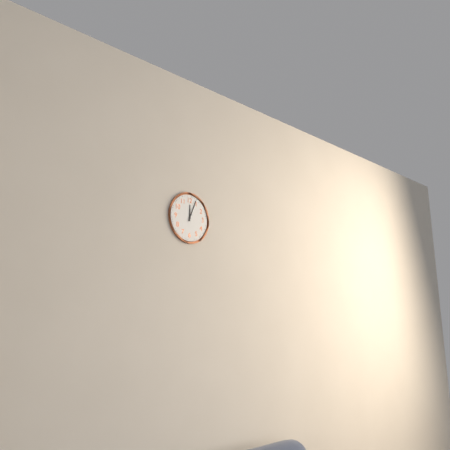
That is 12:04
